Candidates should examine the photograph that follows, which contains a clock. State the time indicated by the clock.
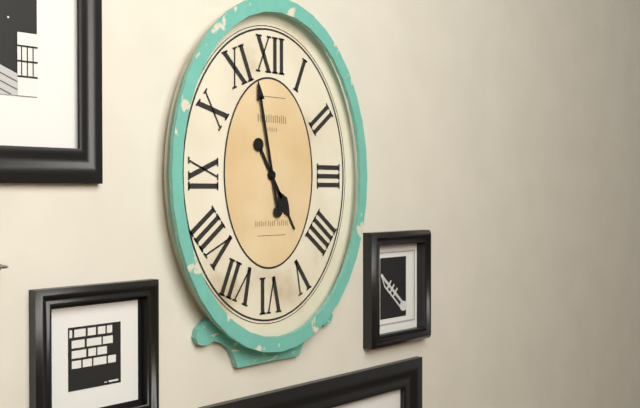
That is 4:58
